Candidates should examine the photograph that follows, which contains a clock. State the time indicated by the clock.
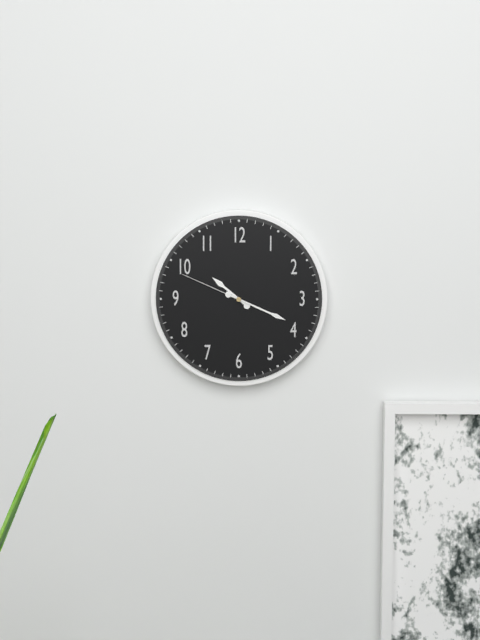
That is 10:19:49
